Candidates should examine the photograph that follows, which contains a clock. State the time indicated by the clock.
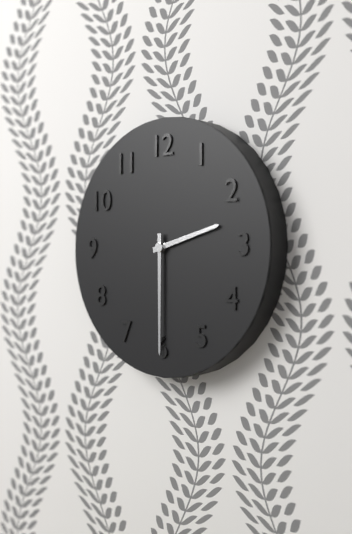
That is 2:30
